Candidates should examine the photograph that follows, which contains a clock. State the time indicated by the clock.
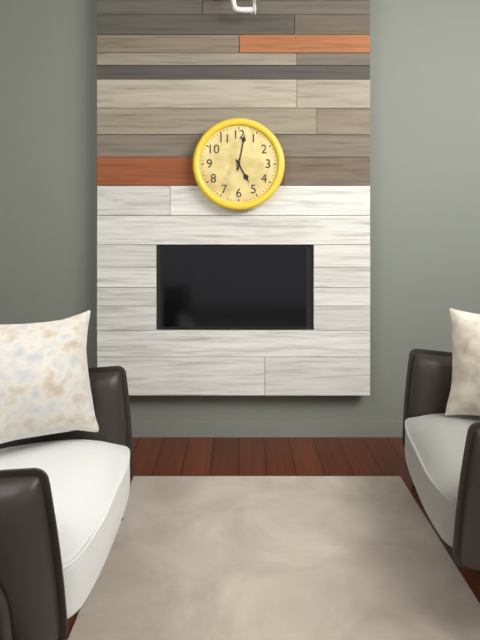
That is 5:02
